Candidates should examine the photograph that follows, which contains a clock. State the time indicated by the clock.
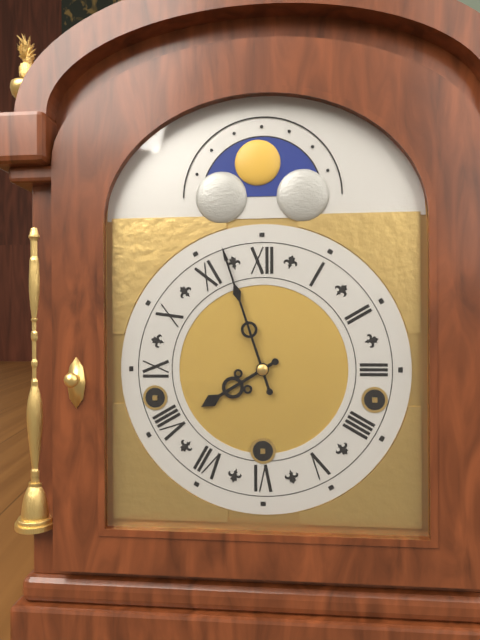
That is 7:57
